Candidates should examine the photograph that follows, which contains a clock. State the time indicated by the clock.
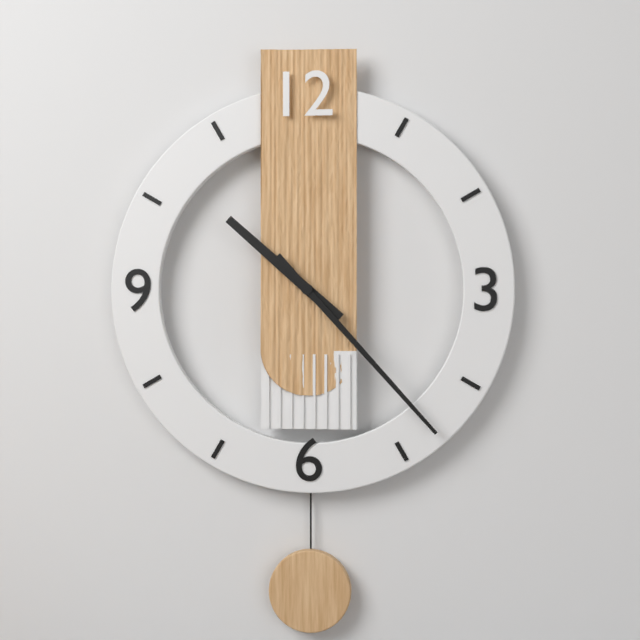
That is 10:23
